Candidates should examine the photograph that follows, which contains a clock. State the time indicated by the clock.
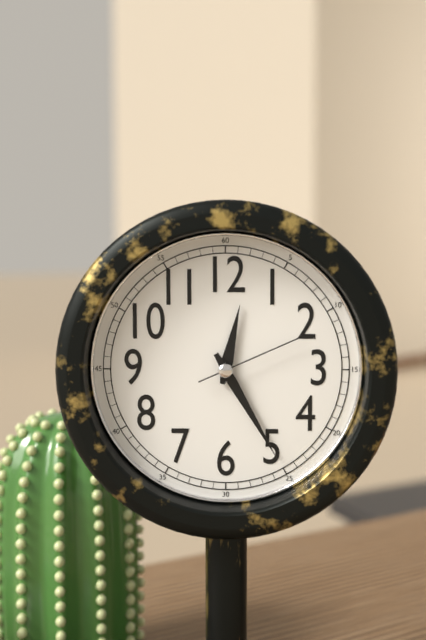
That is 12:25:11
